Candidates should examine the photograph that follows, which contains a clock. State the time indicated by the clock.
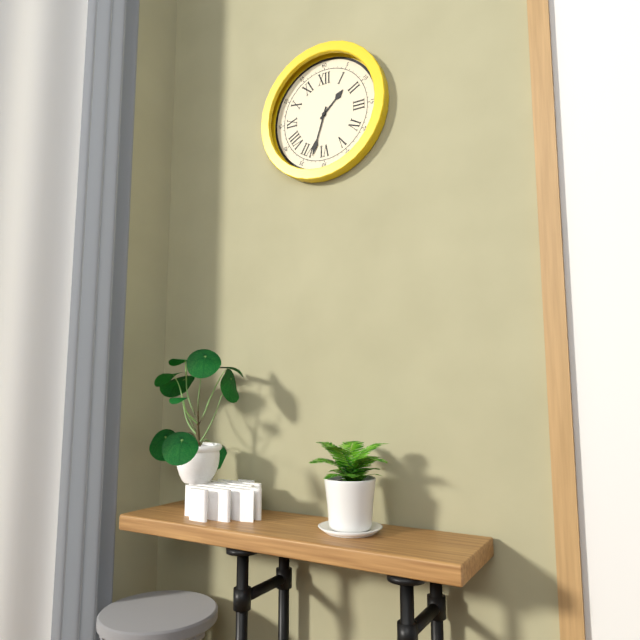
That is 1:33
